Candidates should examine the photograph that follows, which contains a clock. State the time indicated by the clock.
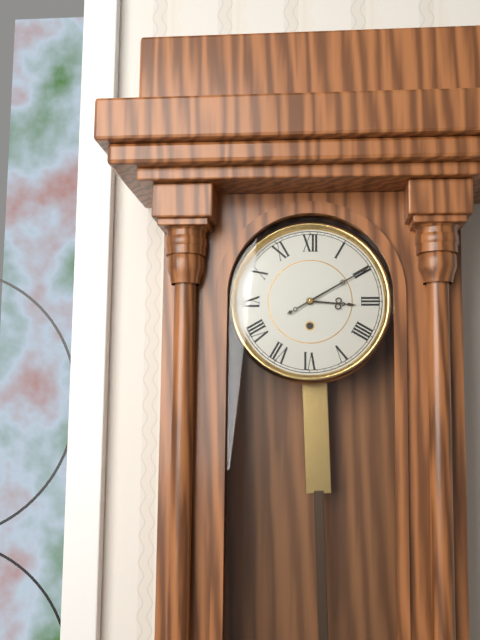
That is 3:10
